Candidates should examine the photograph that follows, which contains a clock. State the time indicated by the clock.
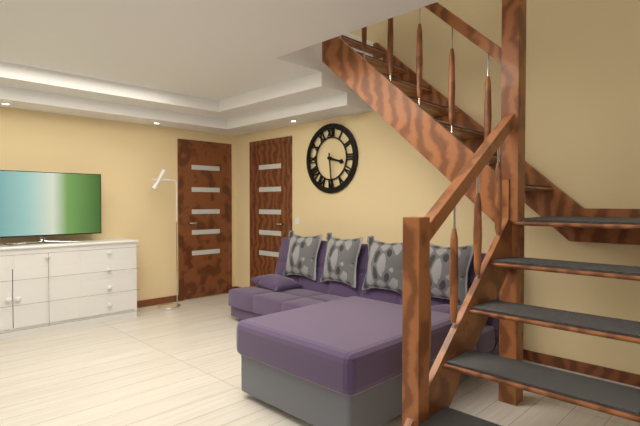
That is 3:29
